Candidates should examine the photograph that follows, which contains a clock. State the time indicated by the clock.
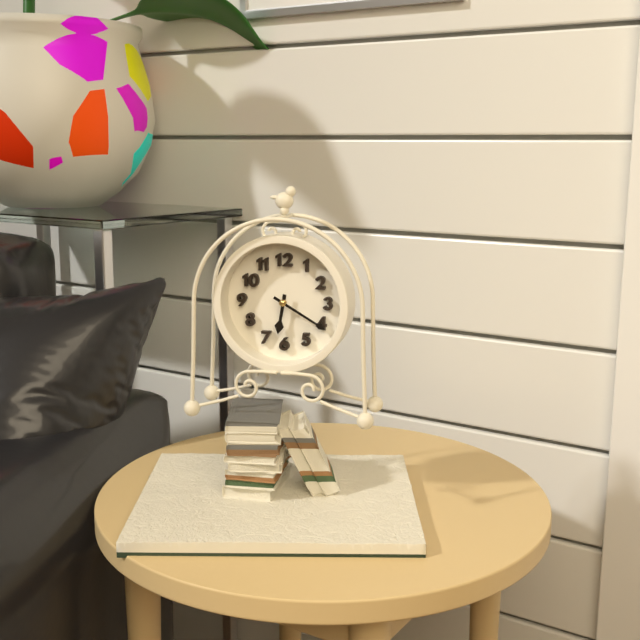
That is 6:20
